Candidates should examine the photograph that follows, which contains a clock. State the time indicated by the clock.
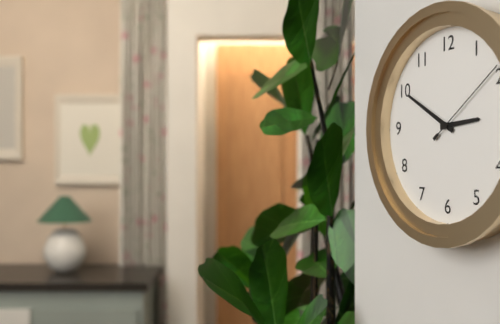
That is 2:50:09
